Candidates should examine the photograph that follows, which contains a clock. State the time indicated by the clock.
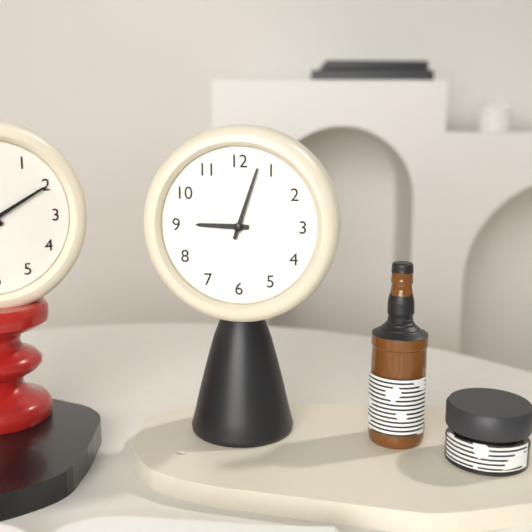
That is 9:03
